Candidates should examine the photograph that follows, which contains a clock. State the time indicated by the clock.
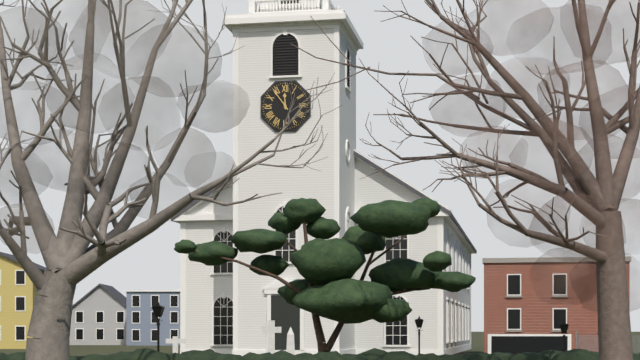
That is 11:54
